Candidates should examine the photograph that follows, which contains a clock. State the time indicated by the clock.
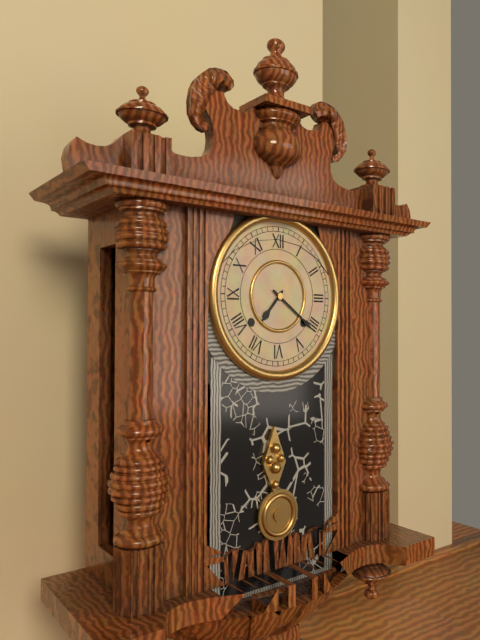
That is 7:21
